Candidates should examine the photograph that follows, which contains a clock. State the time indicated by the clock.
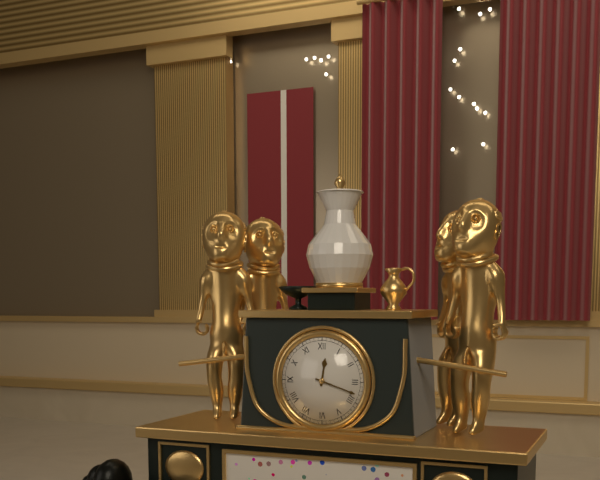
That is 12:18
